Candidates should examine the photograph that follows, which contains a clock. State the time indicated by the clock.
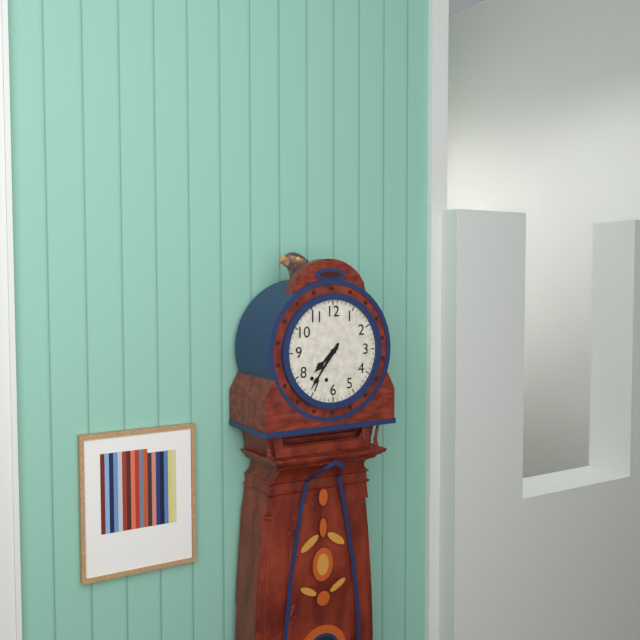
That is 7:36
